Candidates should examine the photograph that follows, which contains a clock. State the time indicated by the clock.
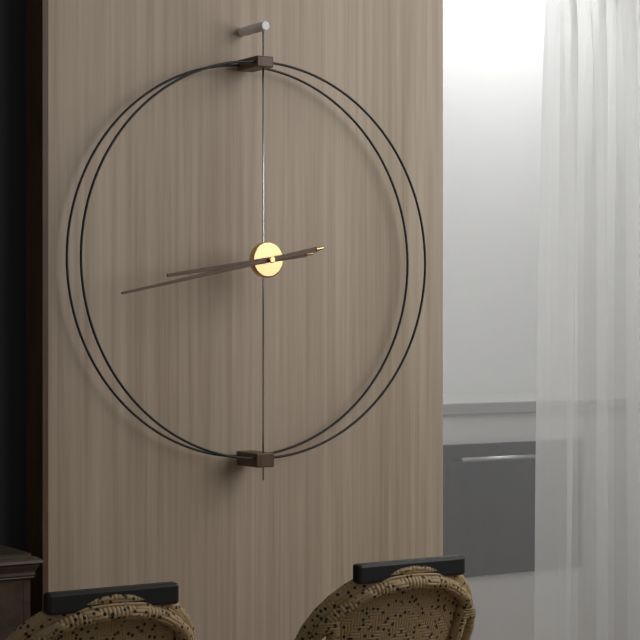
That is 8:43
